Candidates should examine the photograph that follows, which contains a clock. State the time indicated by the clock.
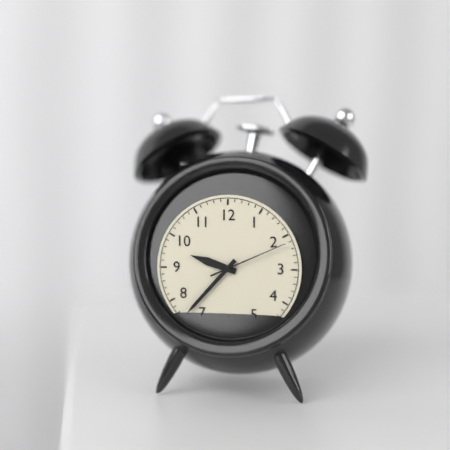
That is 9:37:11
